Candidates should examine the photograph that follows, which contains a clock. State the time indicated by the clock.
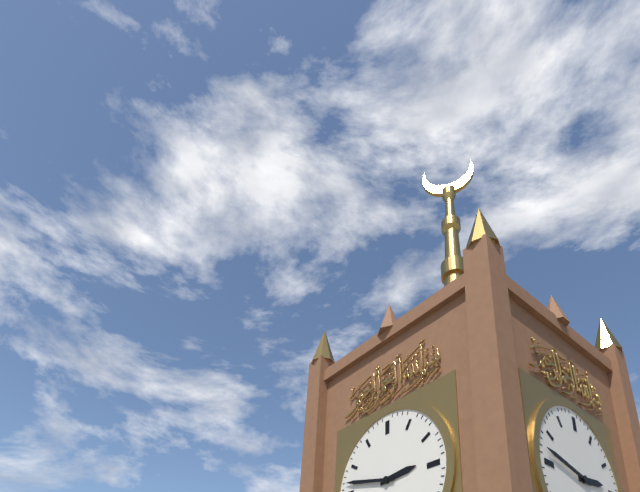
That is 2:47
